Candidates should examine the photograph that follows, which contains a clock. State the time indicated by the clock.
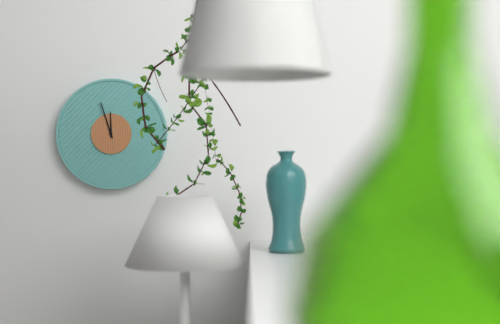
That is 11:57
